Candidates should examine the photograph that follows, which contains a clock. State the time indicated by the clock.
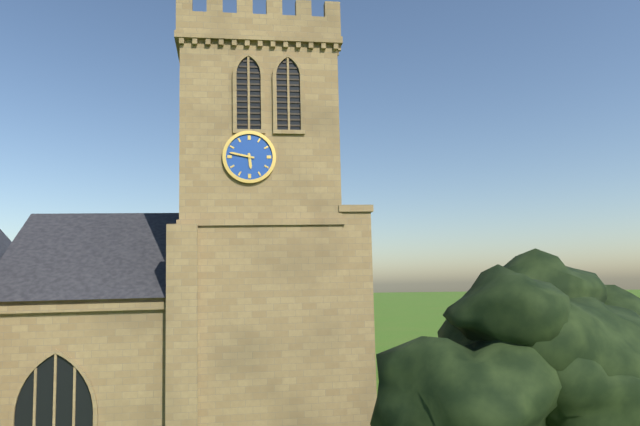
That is 5:47
